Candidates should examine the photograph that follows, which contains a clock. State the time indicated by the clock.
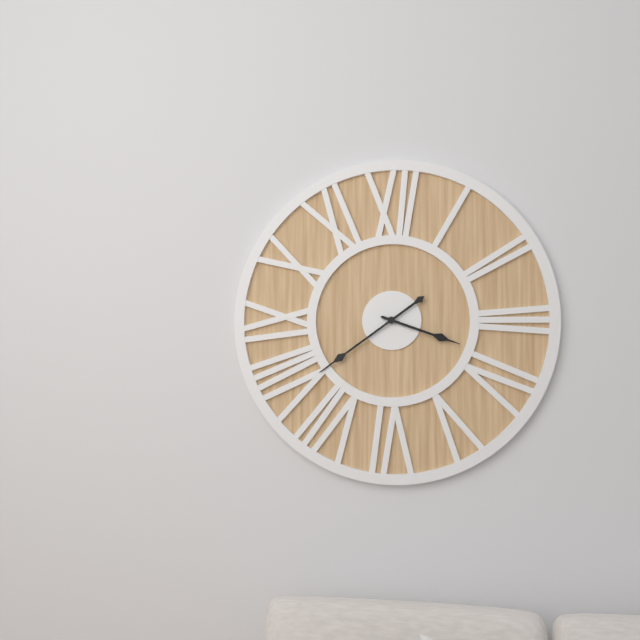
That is 3:39
